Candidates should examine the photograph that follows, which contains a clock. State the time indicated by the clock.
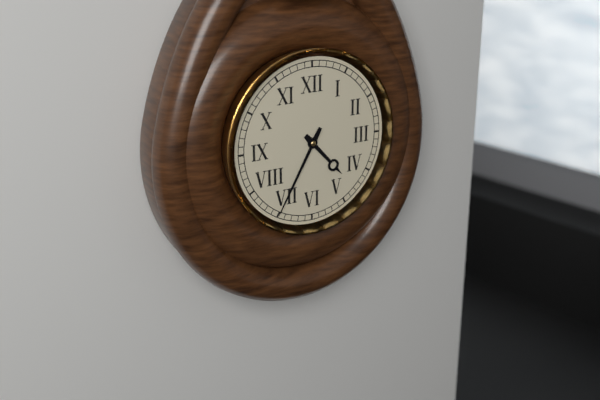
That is 4:35
